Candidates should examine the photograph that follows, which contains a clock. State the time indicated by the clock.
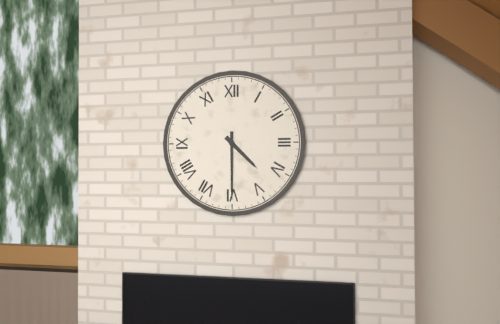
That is 4:30
